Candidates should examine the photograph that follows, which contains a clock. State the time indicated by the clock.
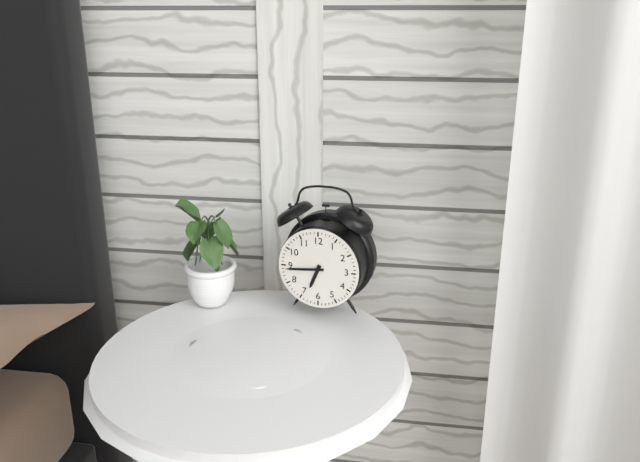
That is 6:44
